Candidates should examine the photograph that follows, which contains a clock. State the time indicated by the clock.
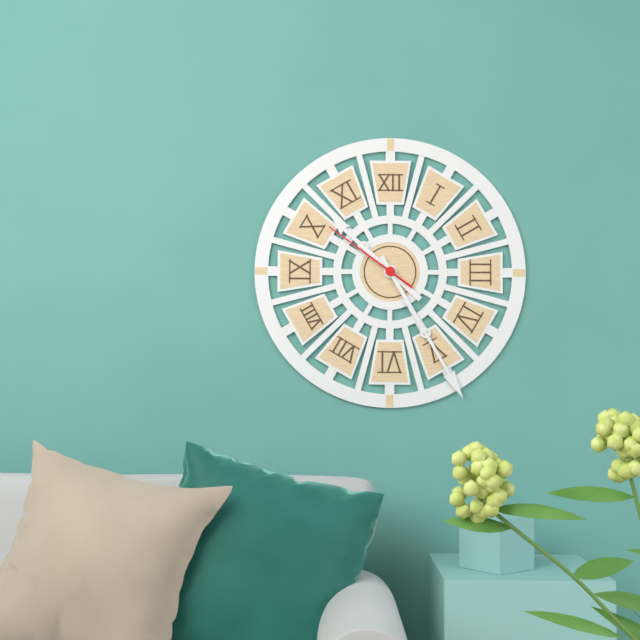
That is 10:25:51
